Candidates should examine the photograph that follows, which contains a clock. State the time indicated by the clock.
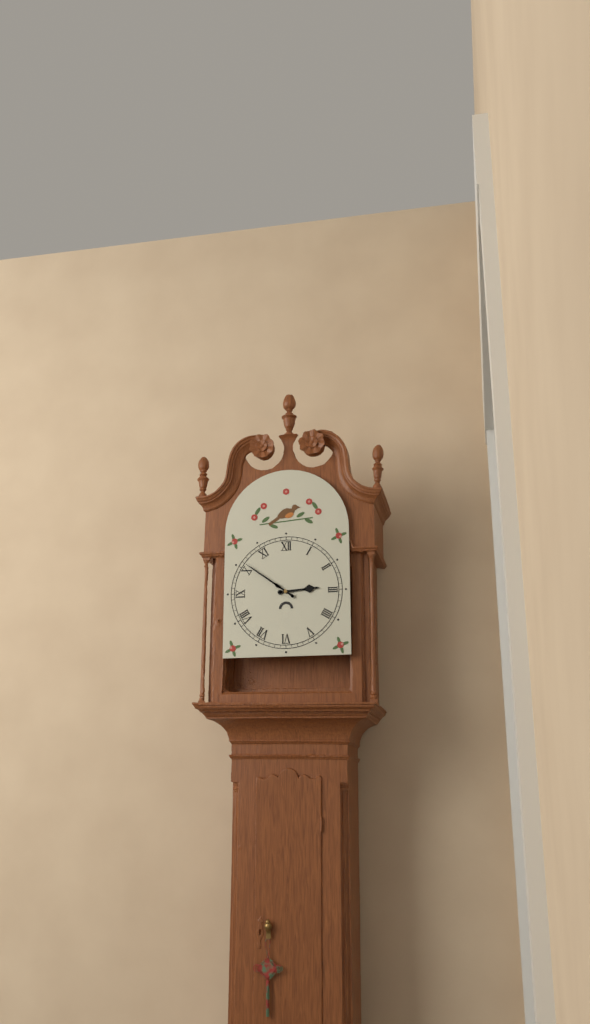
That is 2:51
